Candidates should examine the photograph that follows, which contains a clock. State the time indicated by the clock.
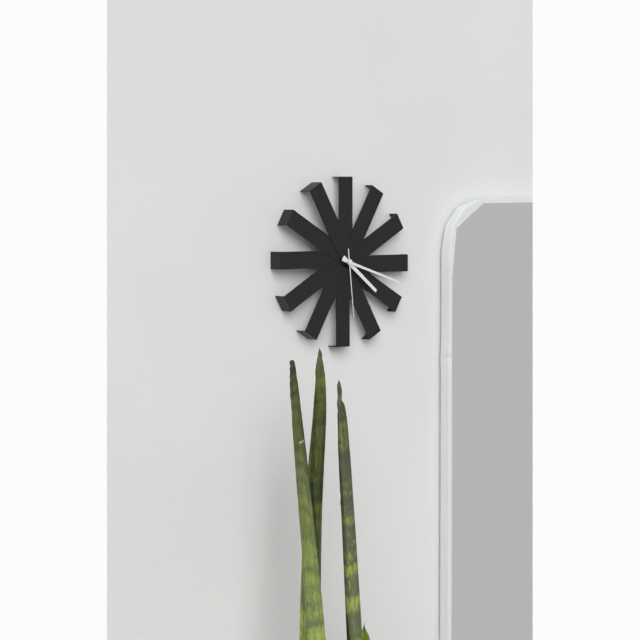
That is 4:18:29
